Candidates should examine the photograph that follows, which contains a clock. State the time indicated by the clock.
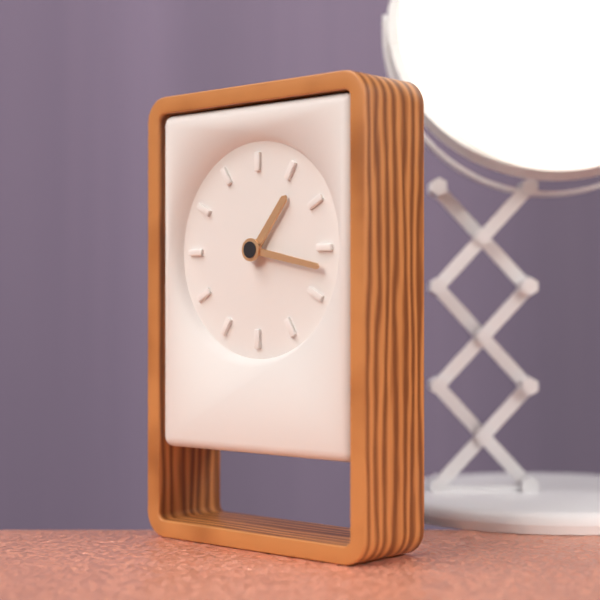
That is 1:17
